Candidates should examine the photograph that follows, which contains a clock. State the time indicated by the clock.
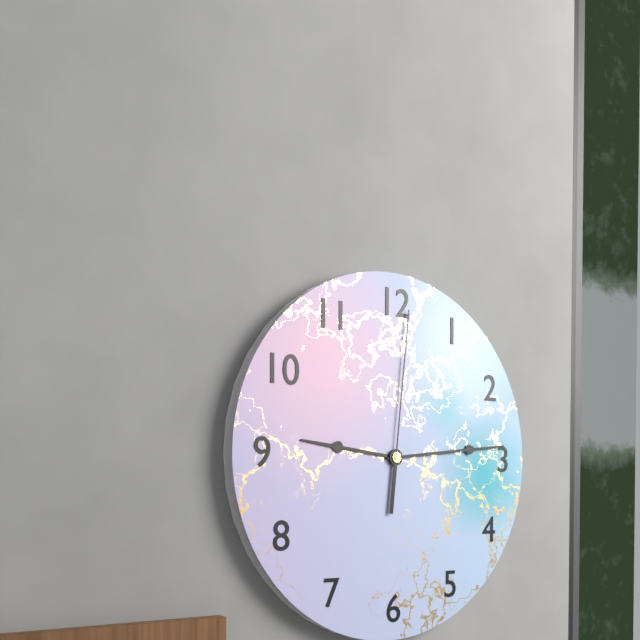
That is 9:14:01
